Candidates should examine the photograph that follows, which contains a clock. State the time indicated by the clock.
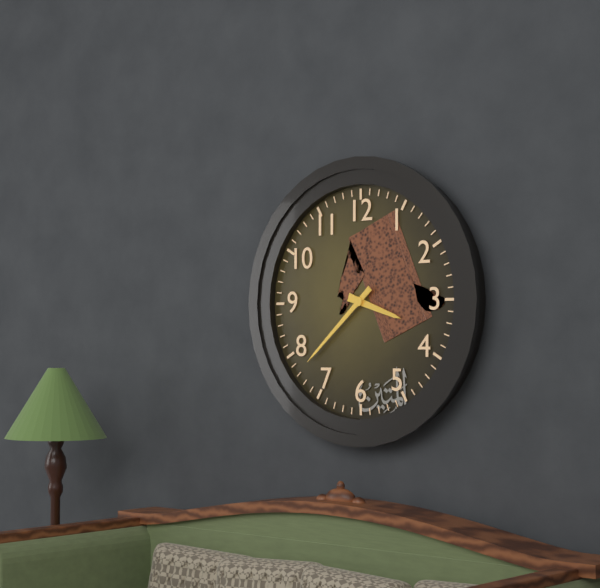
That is 3:38
